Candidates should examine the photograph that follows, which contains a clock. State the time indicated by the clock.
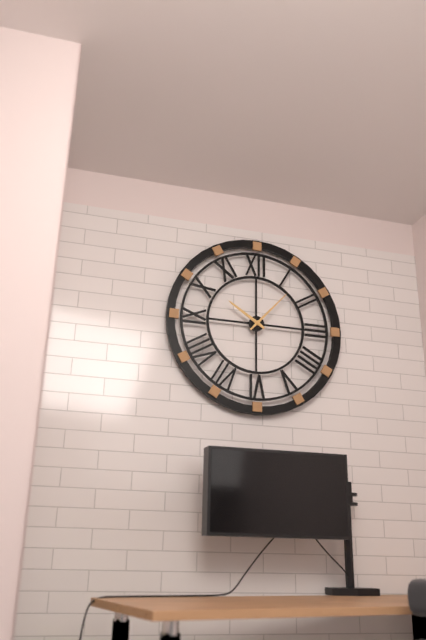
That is 10:07
